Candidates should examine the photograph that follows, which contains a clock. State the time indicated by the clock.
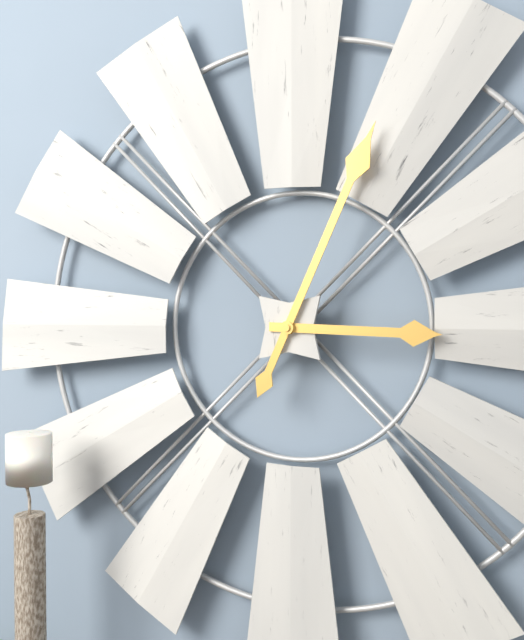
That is 3:04
